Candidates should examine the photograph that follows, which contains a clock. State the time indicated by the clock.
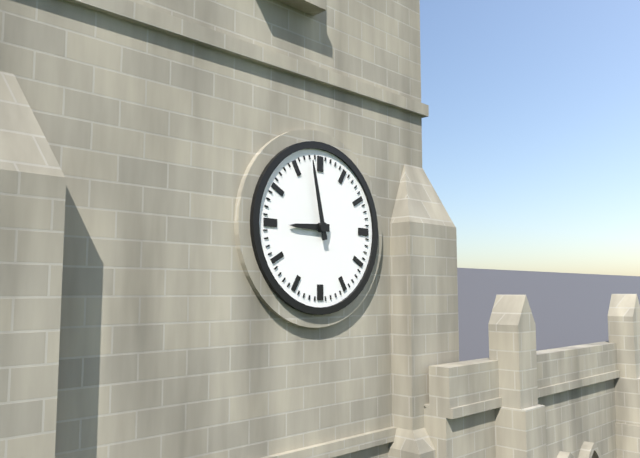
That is 8:58
